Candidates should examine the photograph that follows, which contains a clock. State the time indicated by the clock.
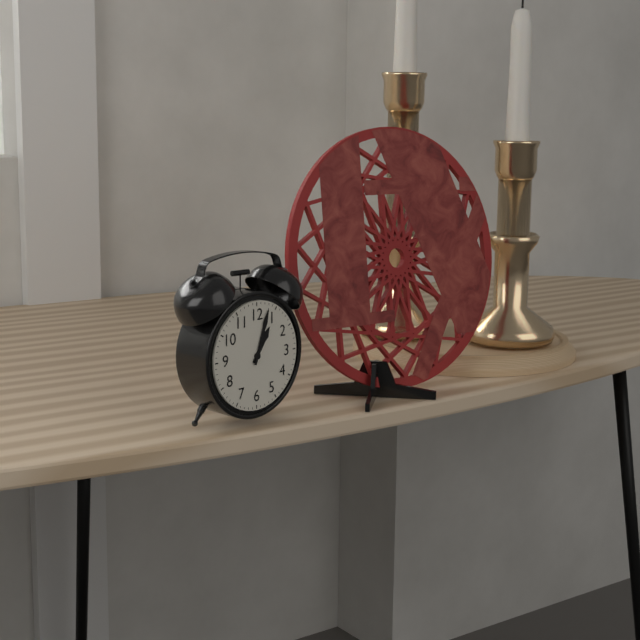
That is 1:03
